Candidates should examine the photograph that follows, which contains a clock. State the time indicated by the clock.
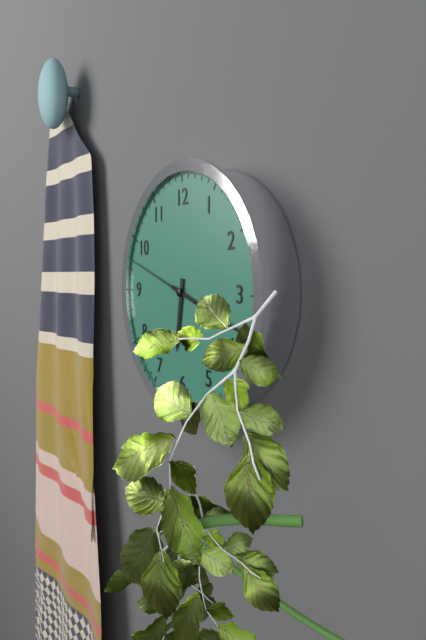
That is 6:18:48
